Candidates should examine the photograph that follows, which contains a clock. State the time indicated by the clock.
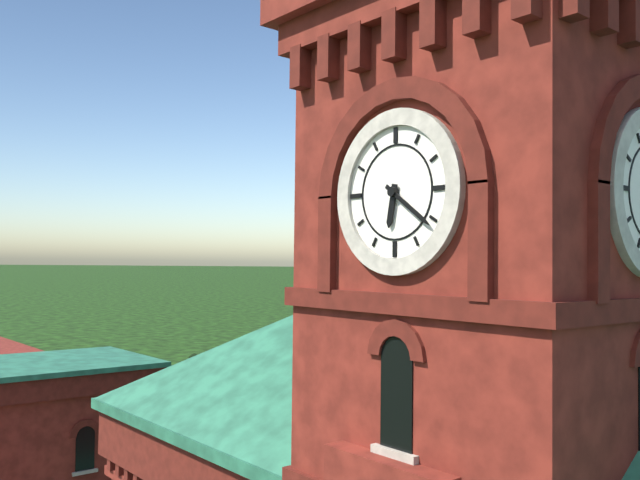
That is 6:21
